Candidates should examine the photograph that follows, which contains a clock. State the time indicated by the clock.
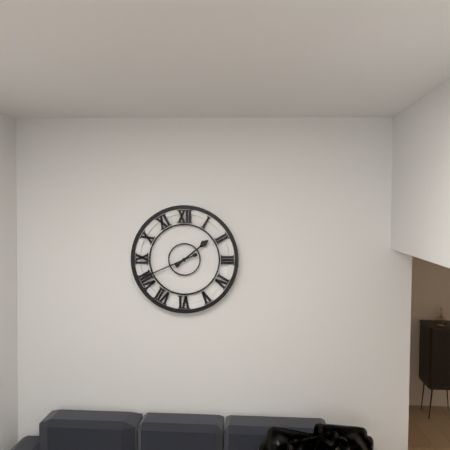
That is 1:41
